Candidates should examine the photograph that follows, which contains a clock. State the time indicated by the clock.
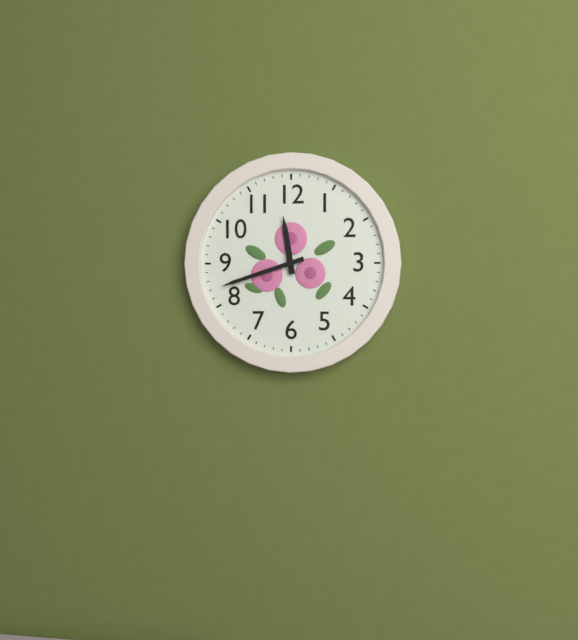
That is 11:42
